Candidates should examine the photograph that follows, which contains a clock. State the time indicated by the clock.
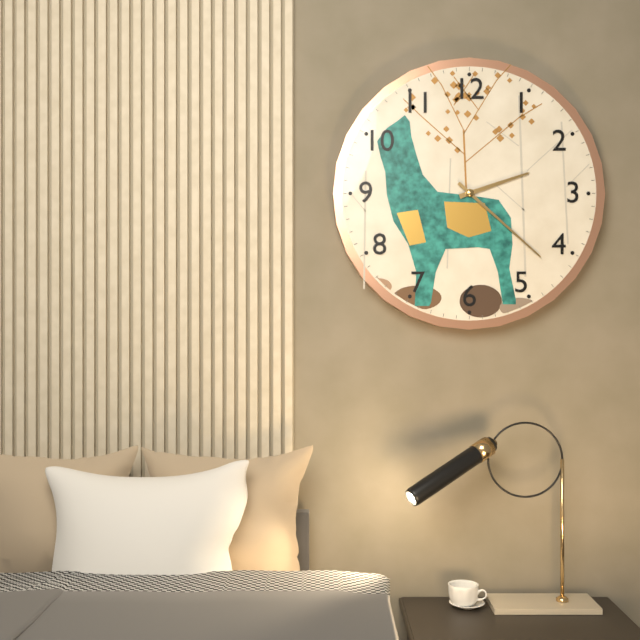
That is 2:22
